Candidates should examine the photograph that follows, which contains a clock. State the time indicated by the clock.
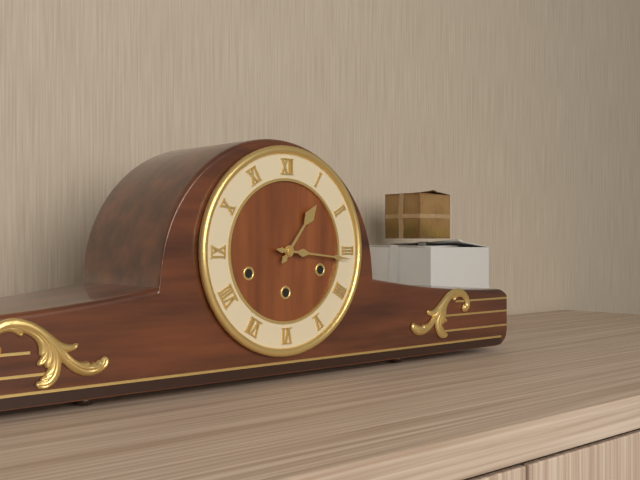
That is 1:16
